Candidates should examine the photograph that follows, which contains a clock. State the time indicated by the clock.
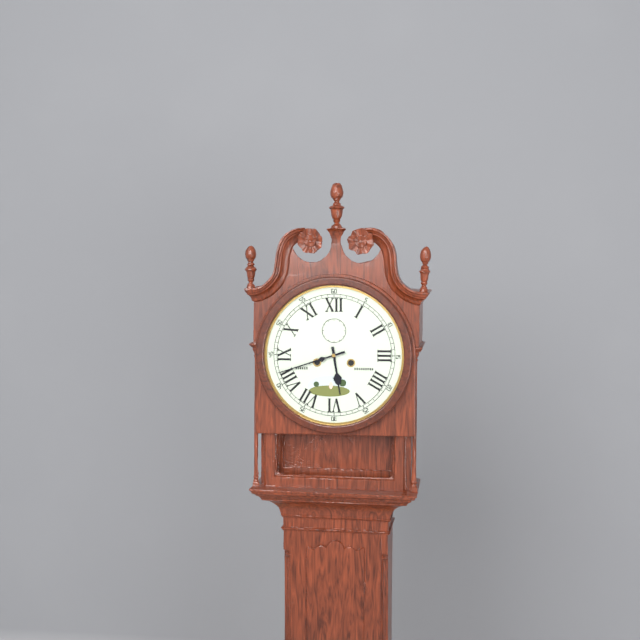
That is 5:42
